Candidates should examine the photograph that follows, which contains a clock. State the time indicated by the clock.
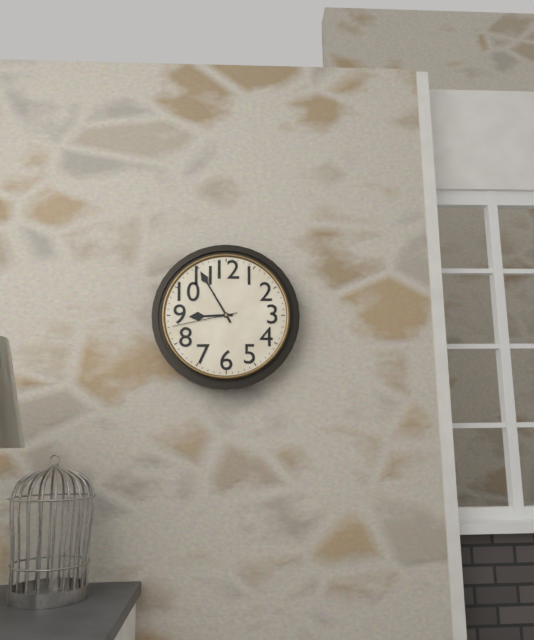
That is 8:55:43
